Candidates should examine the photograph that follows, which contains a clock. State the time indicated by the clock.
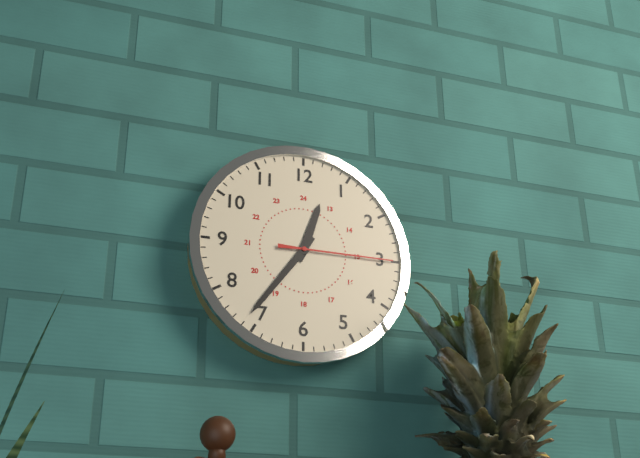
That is 12:36:15
